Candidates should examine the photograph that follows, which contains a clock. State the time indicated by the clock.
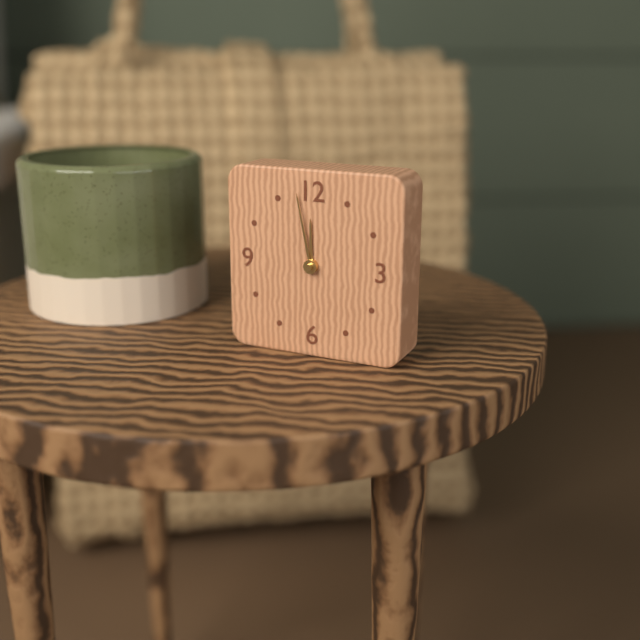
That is 11:58
